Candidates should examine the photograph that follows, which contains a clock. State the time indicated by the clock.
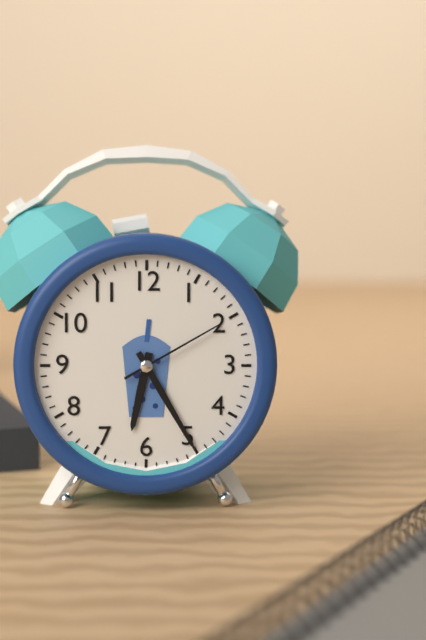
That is 6:25:10
